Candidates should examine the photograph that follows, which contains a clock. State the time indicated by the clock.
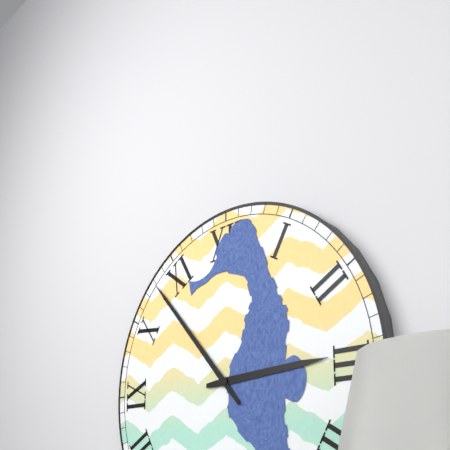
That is 2:53
